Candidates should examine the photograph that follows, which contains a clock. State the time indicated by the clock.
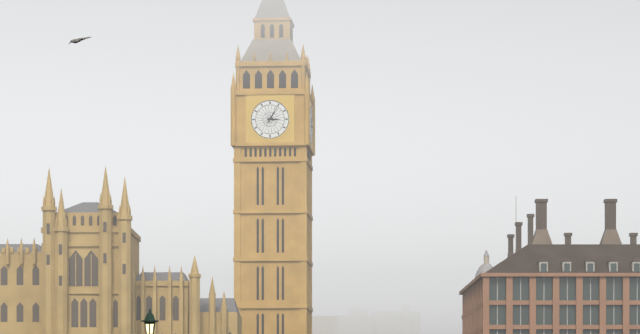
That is 3:05
